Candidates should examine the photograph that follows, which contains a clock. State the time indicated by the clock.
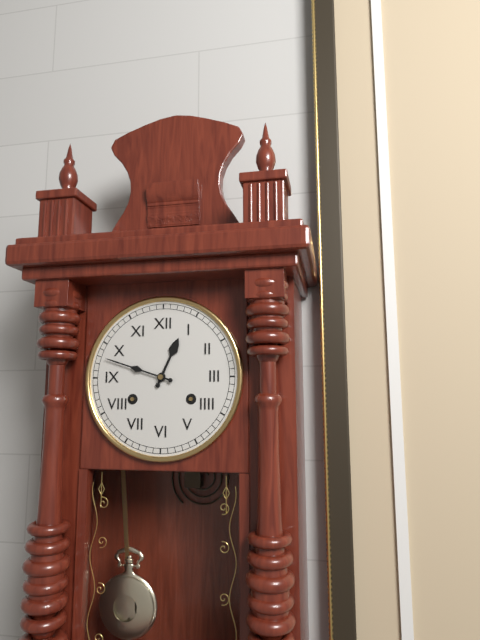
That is 12:48
